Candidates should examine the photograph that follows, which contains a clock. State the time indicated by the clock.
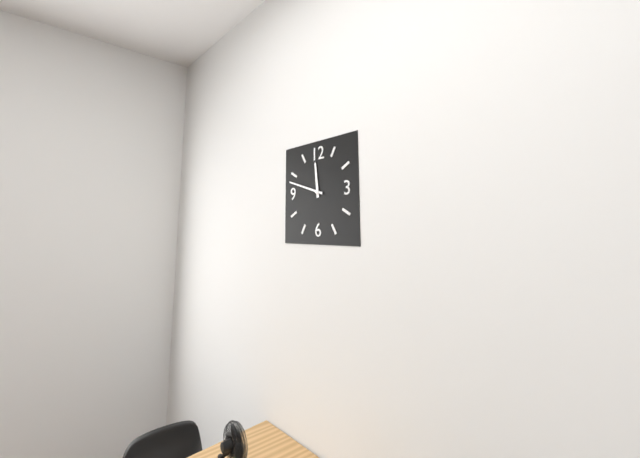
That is 11:48
